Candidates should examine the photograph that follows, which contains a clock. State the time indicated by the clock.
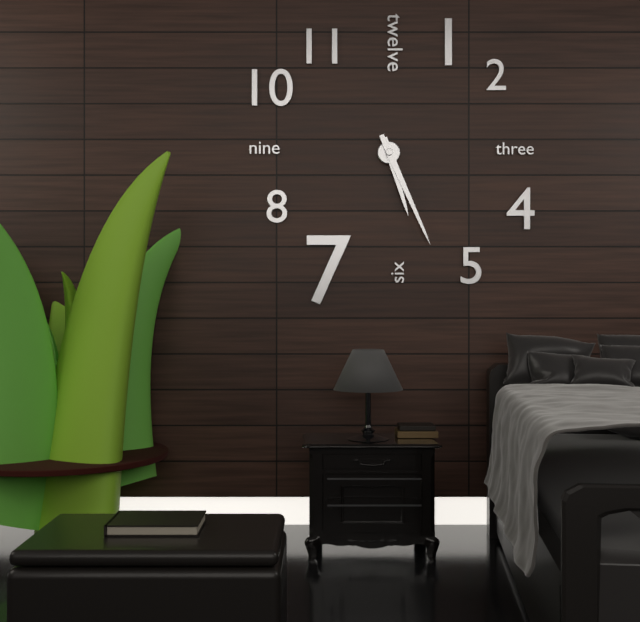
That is 5:26
